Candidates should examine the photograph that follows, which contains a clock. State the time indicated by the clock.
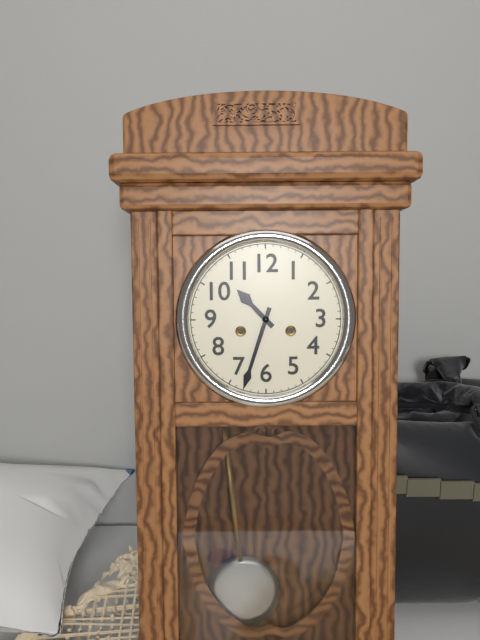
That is 10:33
